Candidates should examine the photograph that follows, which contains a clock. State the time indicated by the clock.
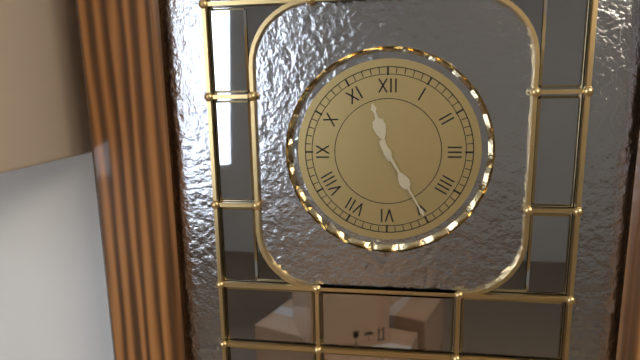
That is 11:25
